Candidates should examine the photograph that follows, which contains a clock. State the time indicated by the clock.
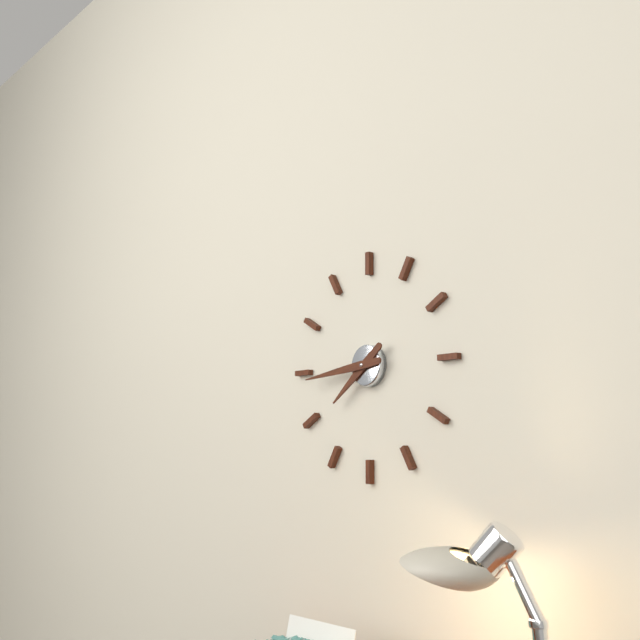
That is 7:44
